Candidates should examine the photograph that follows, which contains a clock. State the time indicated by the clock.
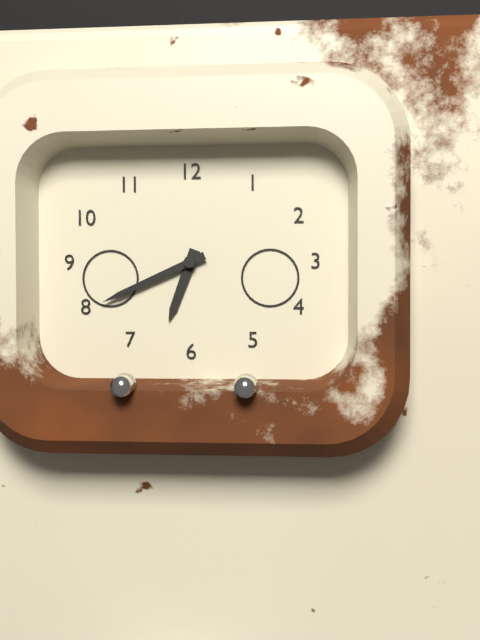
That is 6:41
